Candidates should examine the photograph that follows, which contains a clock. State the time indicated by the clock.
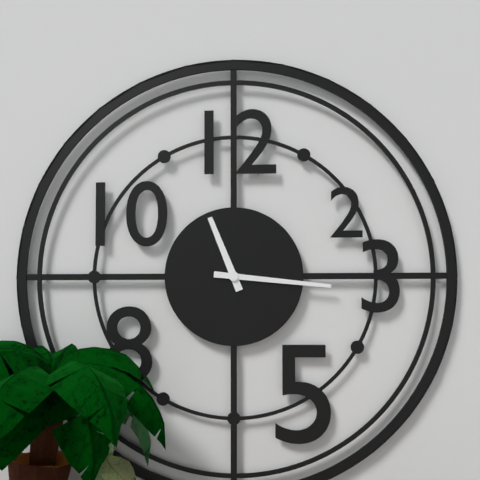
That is 11:16
